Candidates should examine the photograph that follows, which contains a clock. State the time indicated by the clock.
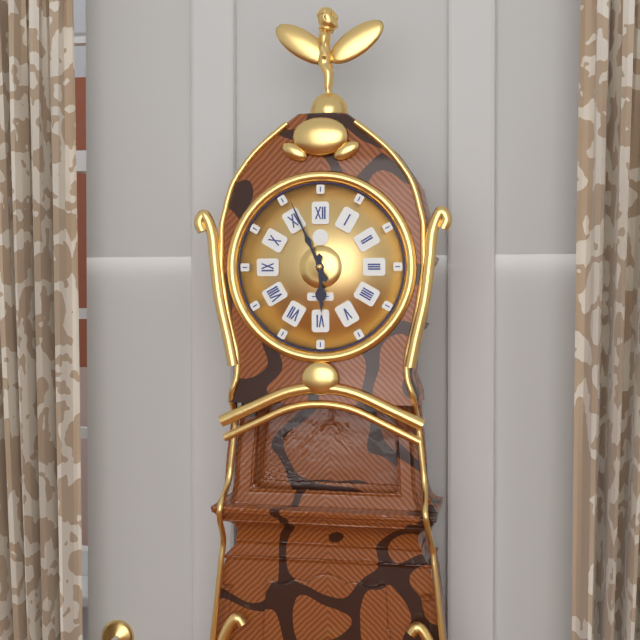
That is 5:56
